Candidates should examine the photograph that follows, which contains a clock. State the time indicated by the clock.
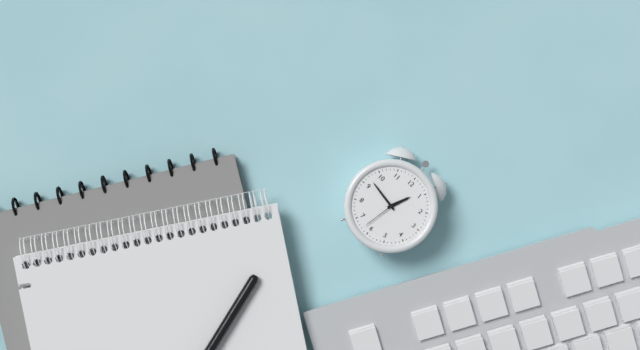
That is 12:47
